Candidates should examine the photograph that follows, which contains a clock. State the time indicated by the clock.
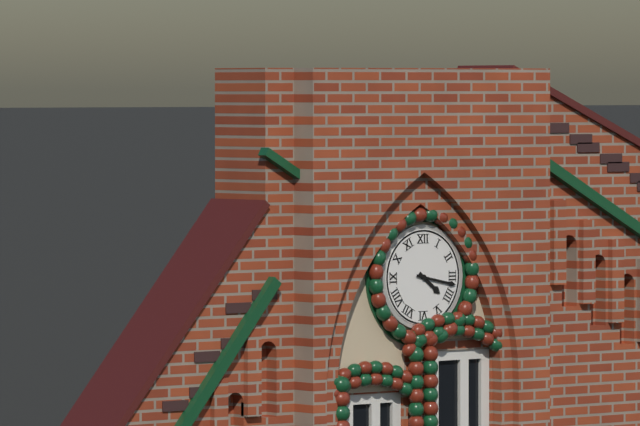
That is 4:17
